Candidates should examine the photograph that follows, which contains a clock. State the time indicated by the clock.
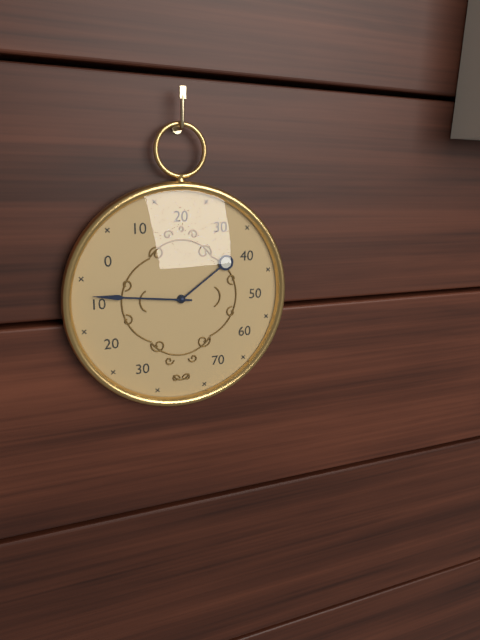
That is 1:46
